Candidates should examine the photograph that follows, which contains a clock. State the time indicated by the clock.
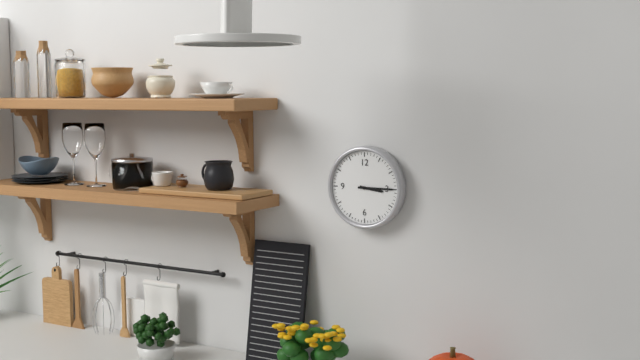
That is 3:15
